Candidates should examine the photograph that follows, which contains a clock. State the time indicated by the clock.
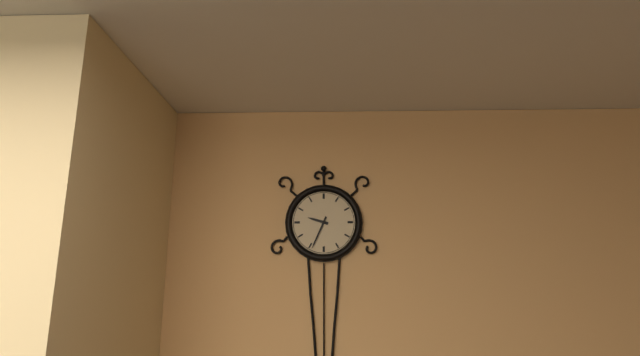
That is 9:34
